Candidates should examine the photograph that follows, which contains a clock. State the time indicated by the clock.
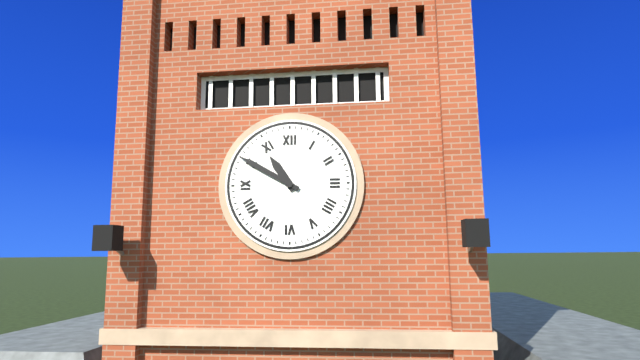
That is 10:50
